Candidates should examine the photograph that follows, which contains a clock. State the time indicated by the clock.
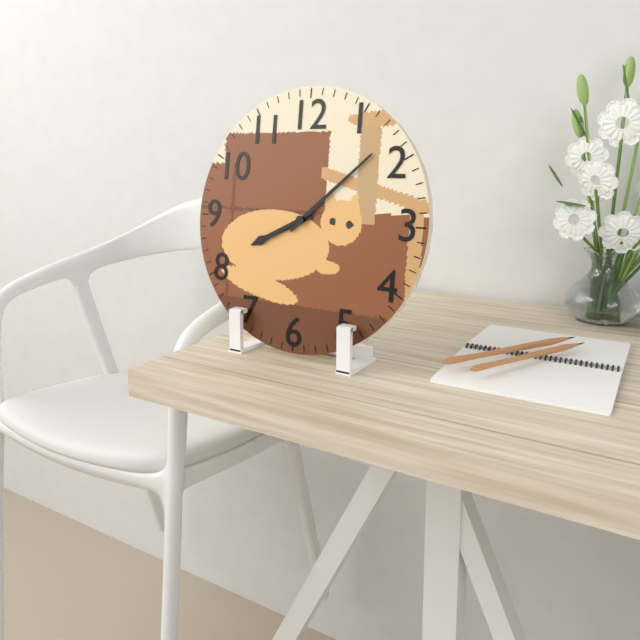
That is 8:08:40
